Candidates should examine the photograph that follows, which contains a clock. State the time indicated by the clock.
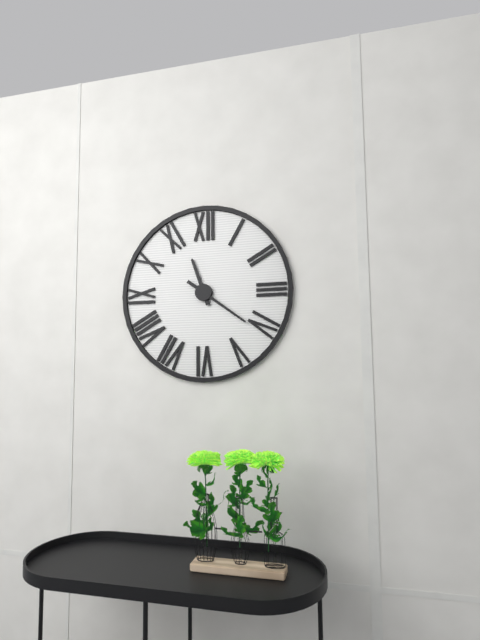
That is 11:21
